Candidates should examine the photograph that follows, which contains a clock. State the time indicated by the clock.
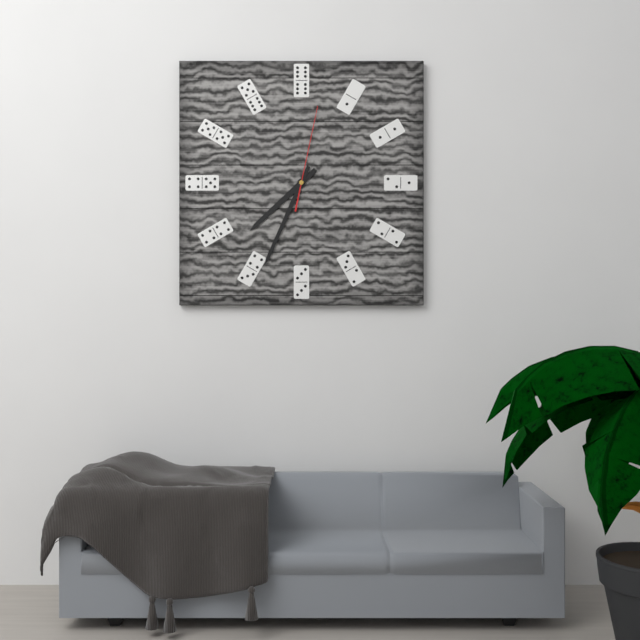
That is 7:34:02
